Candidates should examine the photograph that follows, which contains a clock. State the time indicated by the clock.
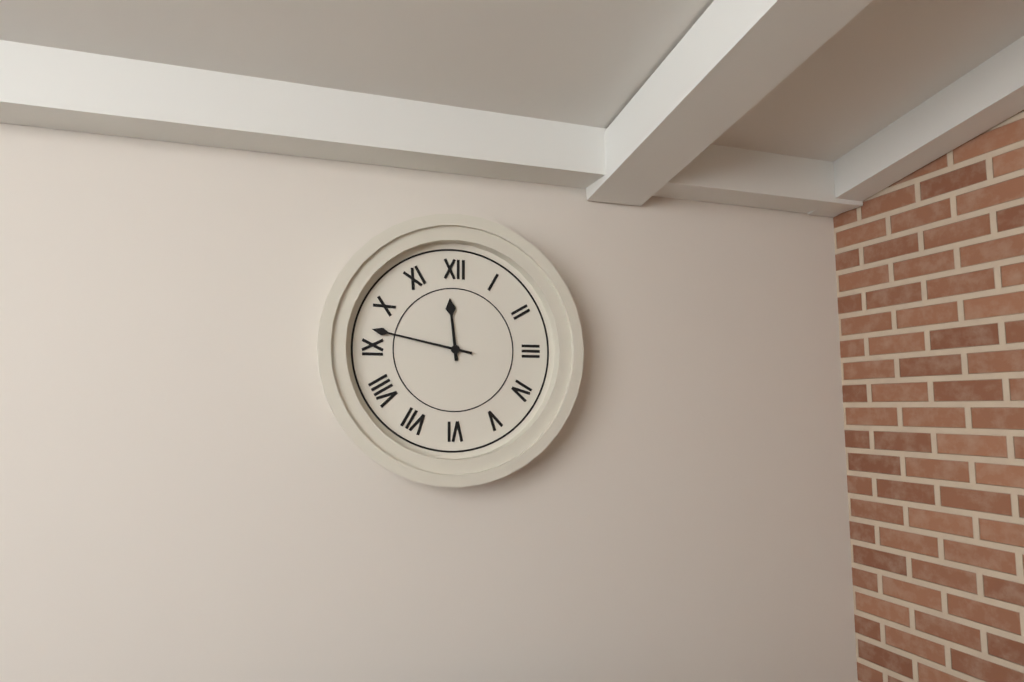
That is 11:47
